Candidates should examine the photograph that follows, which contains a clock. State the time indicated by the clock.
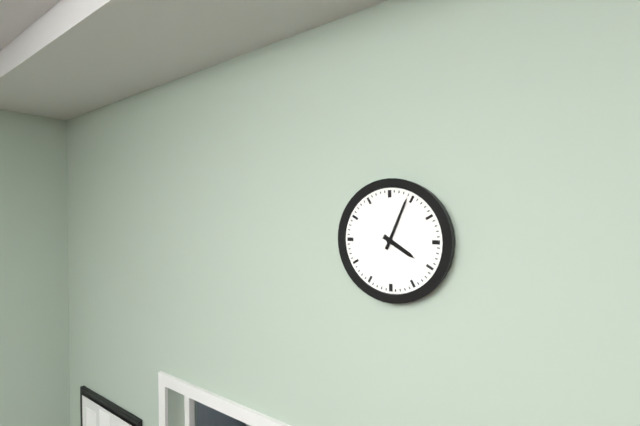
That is 4:04
